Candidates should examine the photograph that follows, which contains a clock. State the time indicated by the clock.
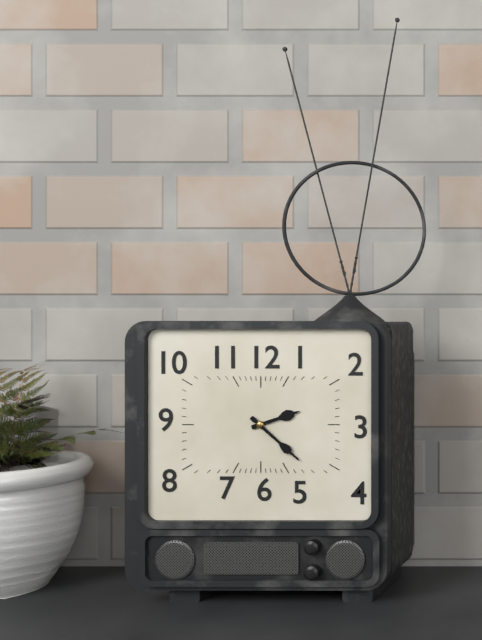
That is 2:22
